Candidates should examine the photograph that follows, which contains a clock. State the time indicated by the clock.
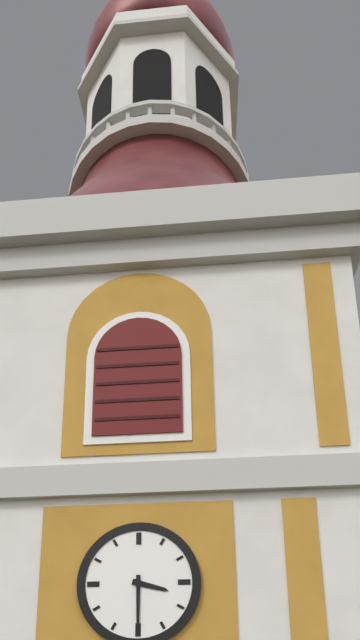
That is 3:30
